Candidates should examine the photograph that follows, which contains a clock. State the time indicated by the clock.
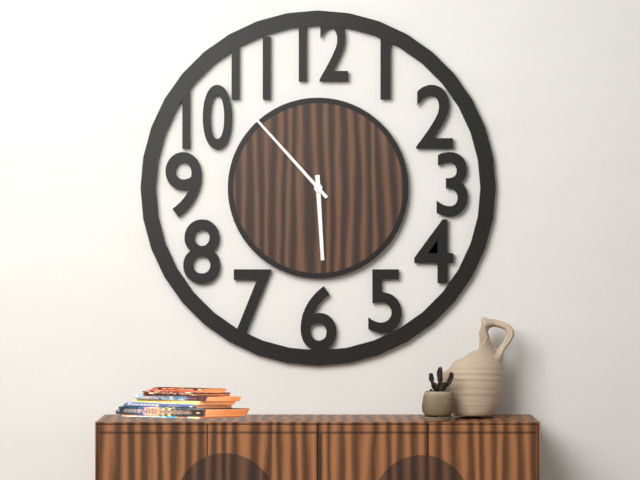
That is 5:53
